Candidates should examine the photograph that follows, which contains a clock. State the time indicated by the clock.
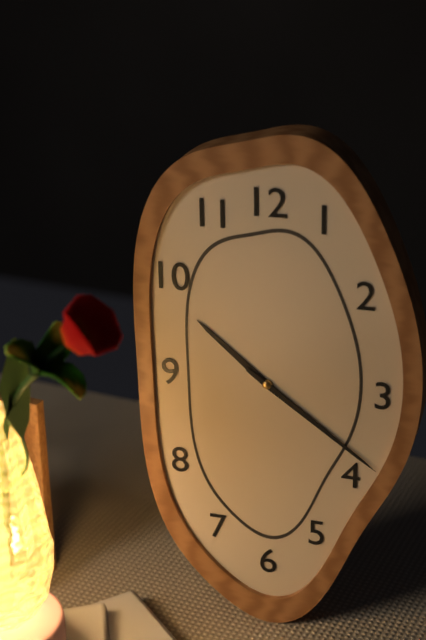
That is 10:21
